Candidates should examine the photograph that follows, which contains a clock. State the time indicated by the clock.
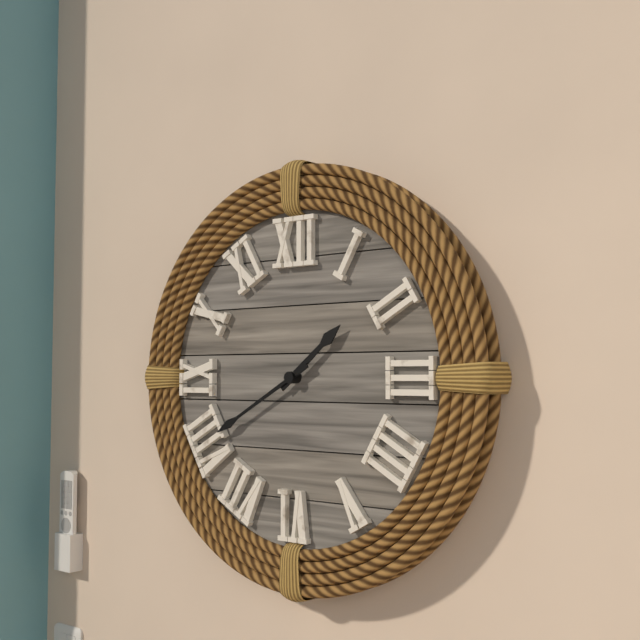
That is 1:40
